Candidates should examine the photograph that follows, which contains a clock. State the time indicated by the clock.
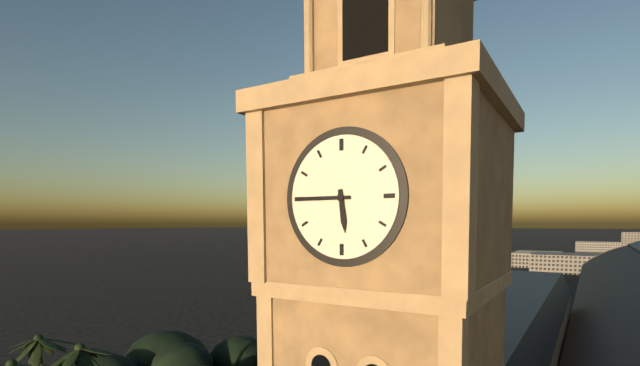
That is 5:45
